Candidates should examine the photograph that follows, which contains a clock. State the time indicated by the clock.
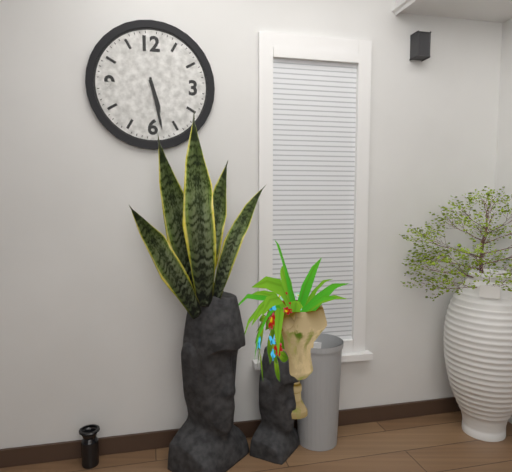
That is 5:28
